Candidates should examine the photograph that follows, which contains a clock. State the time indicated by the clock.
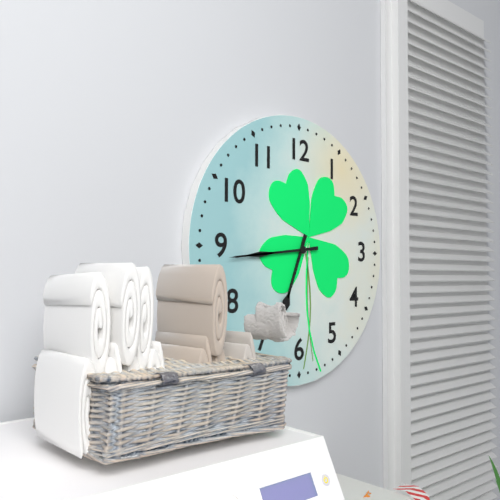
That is 6:44
